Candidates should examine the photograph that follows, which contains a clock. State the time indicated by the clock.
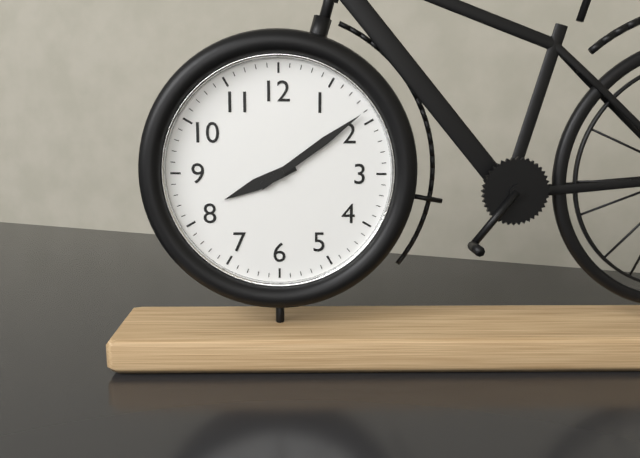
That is 8:09
